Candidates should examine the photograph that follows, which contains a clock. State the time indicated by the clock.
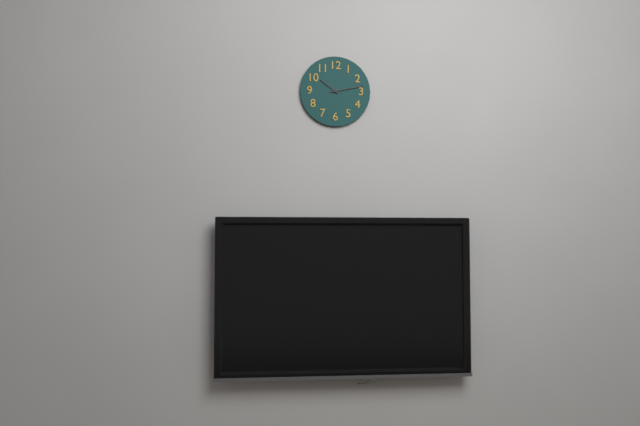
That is 10:13
